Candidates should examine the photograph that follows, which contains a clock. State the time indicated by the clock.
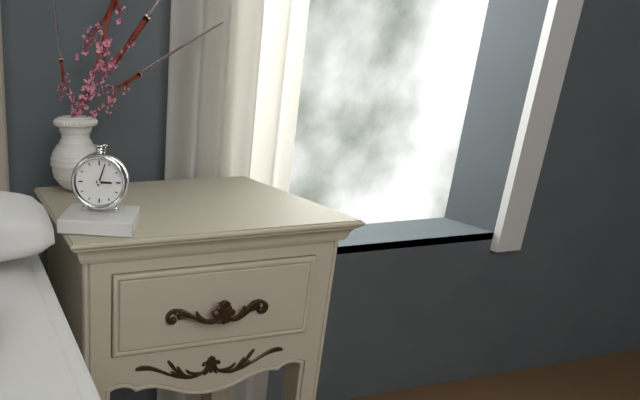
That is 3:03
